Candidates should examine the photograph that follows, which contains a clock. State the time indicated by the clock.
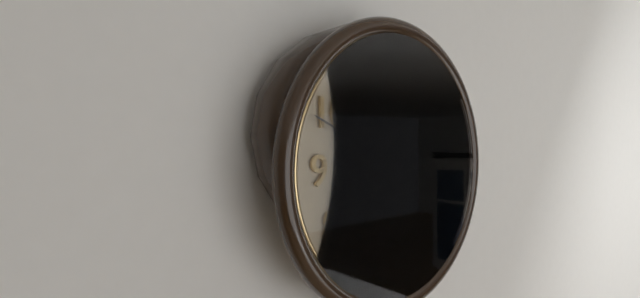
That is 5:15:49
